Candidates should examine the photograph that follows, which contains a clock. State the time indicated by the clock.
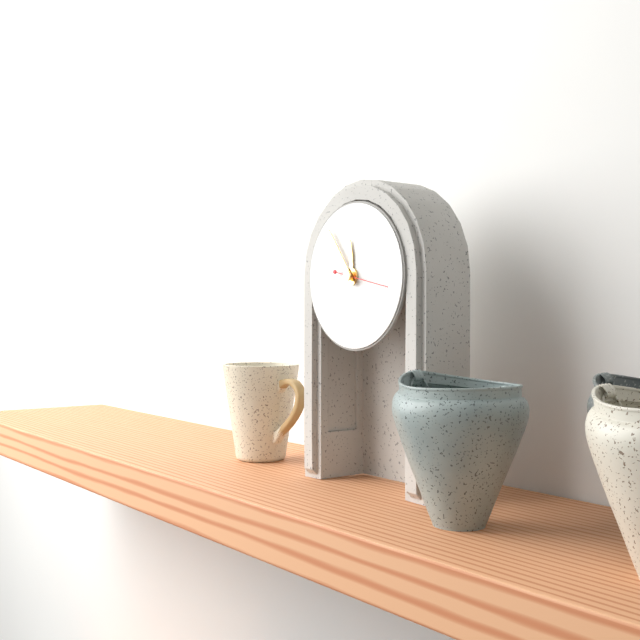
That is 11:54:17
